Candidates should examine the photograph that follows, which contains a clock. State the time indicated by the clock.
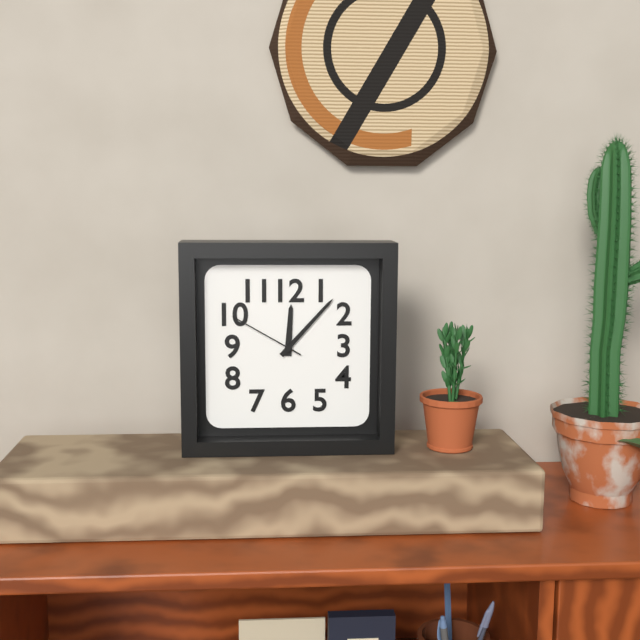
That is 12:07:50
